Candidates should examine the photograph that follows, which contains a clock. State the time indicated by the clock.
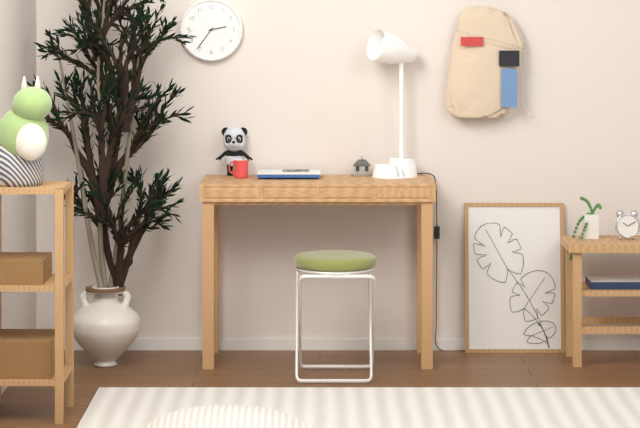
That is 2:36
